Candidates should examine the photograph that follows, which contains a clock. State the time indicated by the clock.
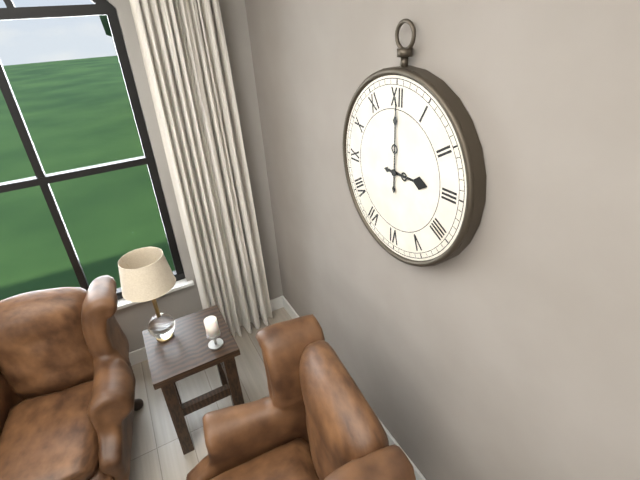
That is 3:00
